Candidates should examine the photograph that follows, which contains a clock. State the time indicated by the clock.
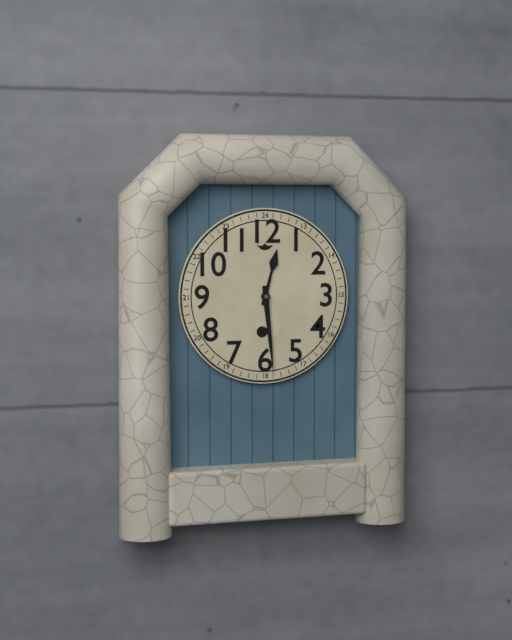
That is 12:29
